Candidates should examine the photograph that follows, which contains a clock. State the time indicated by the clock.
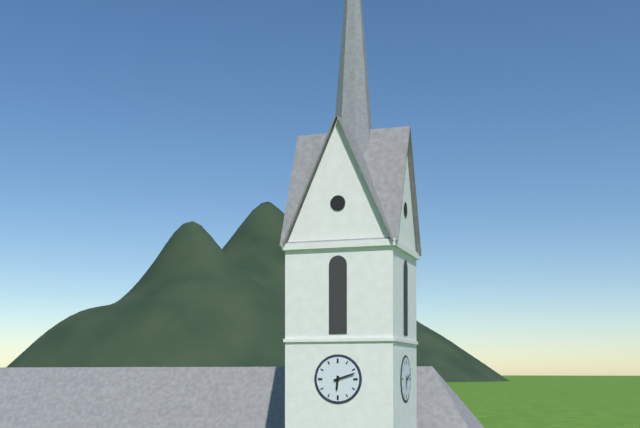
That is 6:12
